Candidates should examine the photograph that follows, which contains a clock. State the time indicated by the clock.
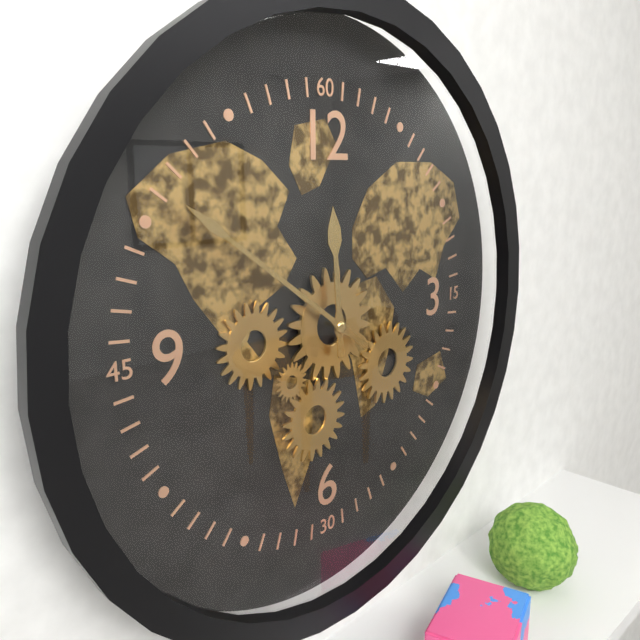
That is 11:51
